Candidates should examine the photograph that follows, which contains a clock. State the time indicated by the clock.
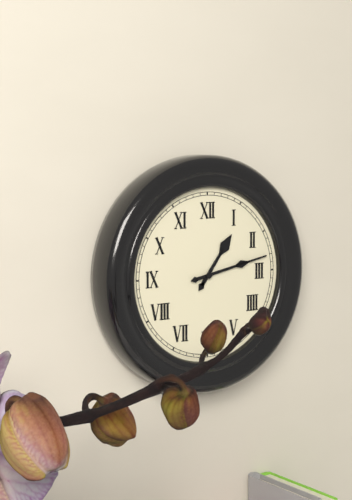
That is 1:13
